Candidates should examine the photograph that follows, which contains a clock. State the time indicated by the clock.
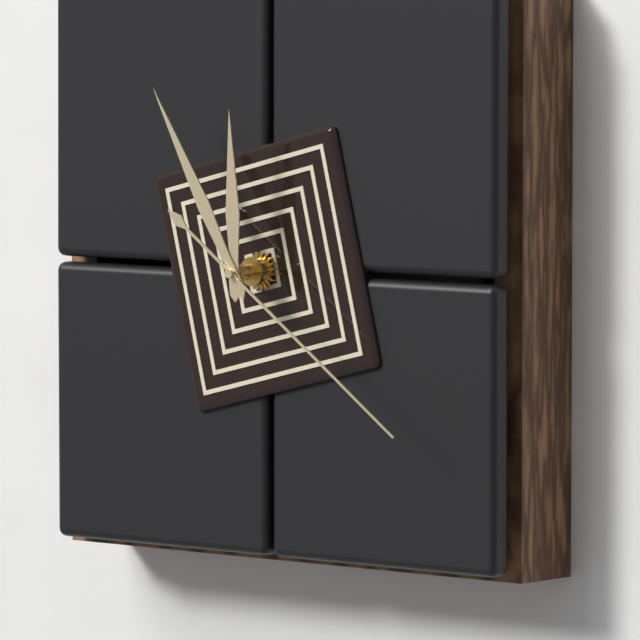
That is 11:55:21
